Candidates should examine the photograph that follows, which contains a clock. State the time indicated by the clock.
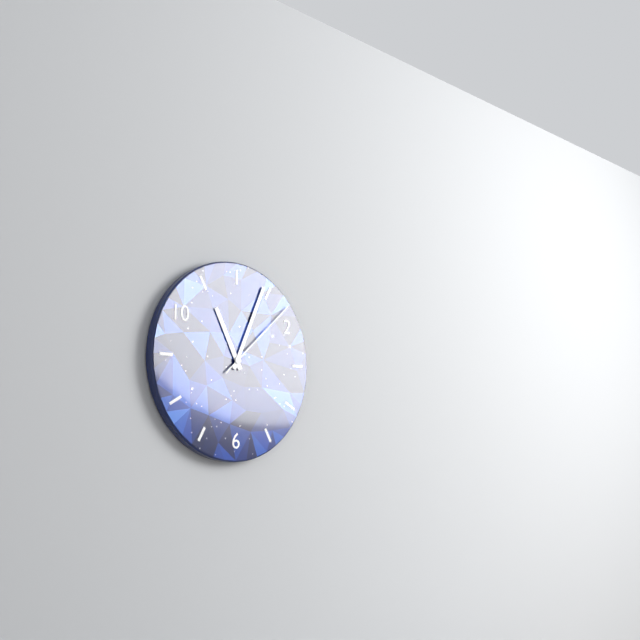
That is 11:04:08
